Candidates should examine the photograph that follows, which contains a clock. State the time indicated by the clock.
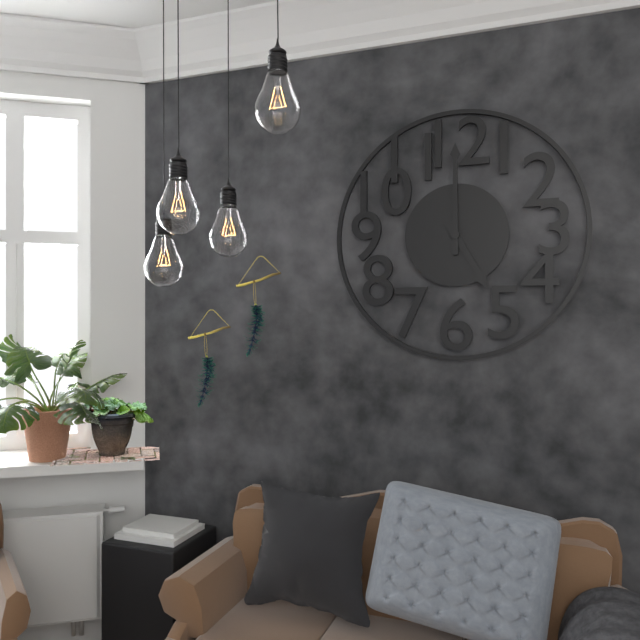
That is 5:00
